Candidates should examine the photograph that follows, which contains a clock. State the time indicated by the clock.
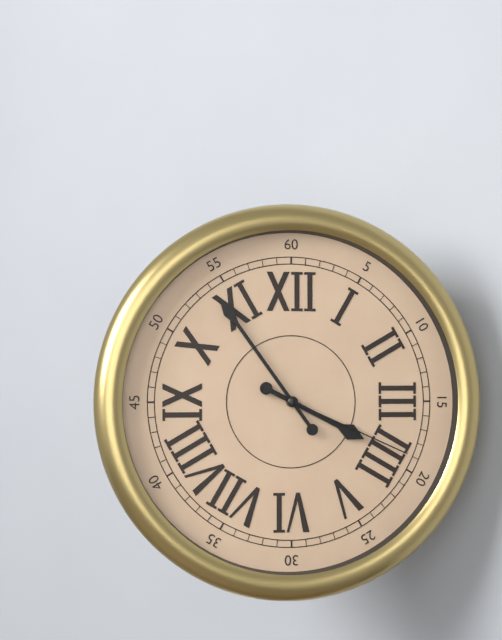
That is 3:54:19
